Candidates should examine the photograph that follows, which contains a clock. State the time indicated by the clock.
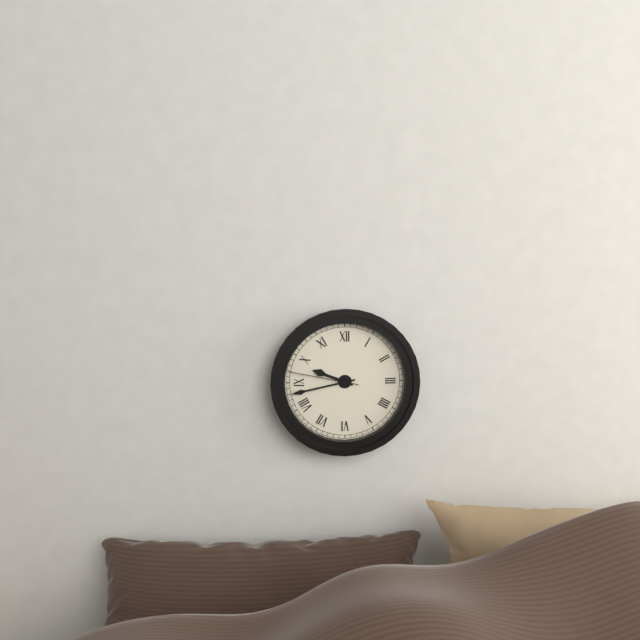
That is 9:43:47
